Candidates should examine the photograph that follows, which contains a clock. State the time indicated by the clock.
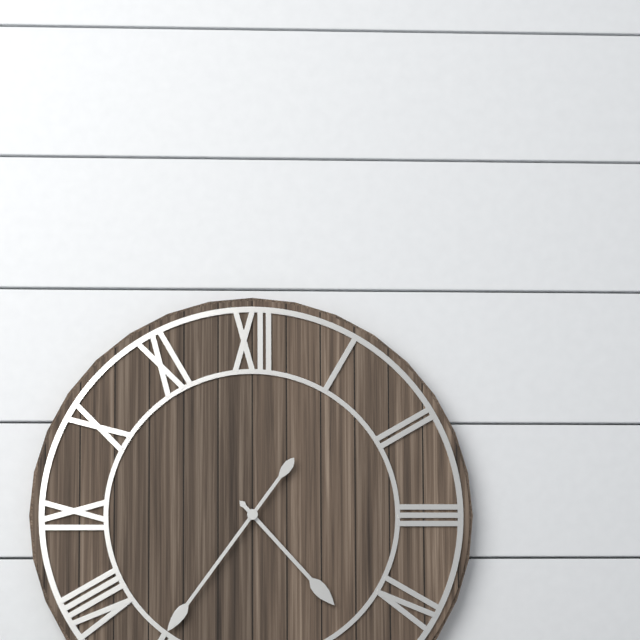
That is 4:36
